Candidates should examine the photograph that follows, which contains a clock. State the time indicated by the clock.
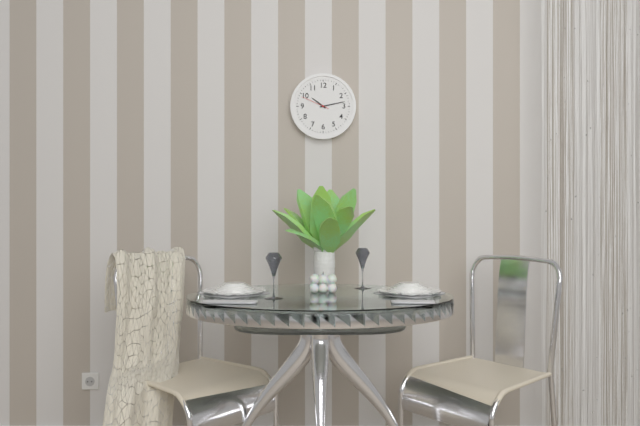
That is 10:13
